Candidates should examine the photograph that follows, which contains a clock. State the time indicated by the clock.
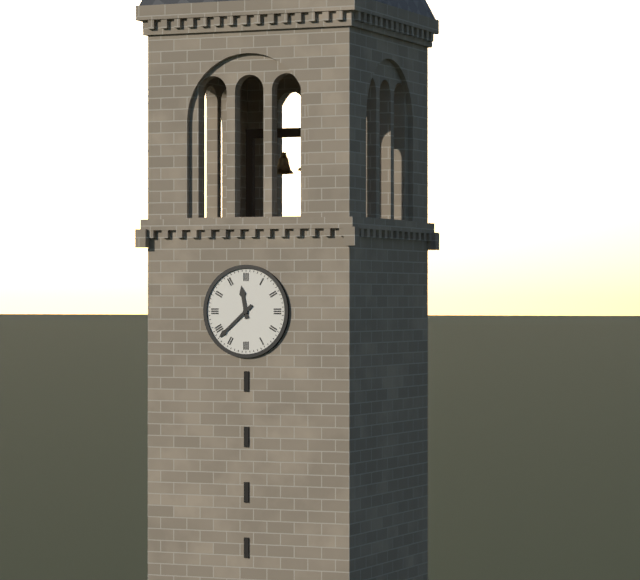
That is 11:38
